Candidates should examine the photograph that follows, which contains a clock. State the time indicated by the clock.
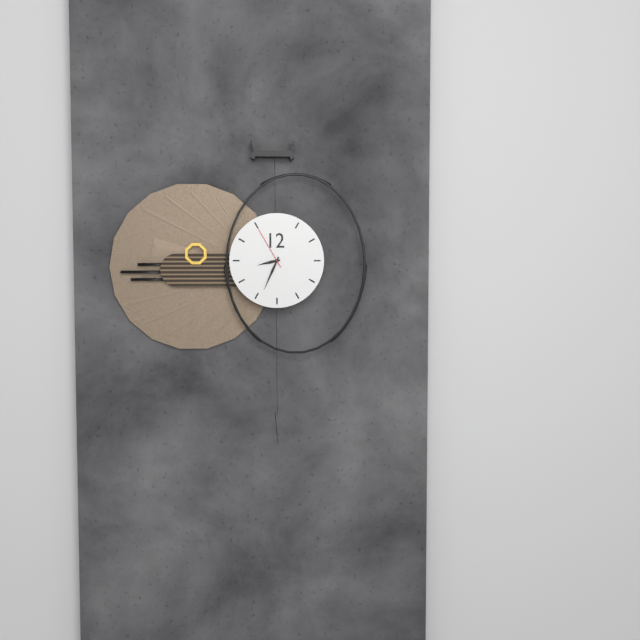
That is 8:34
